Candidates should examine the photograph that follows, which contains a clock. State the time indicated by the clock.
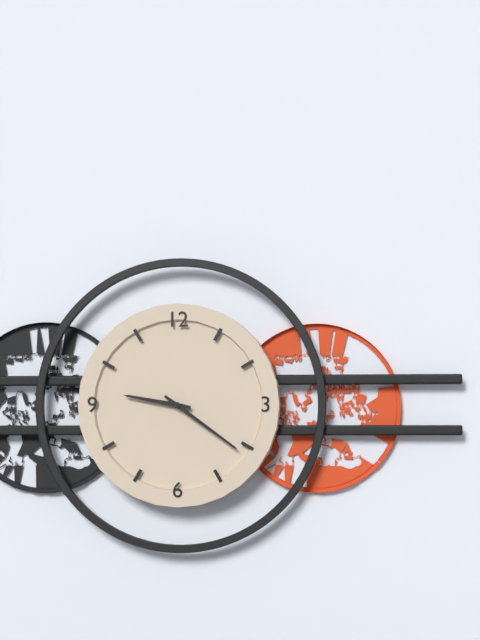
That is 9:21
